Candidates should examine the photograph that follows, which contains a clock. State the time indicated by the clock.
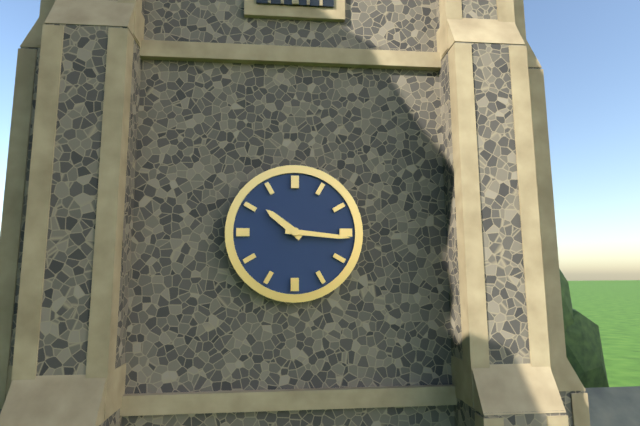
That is 10:16
